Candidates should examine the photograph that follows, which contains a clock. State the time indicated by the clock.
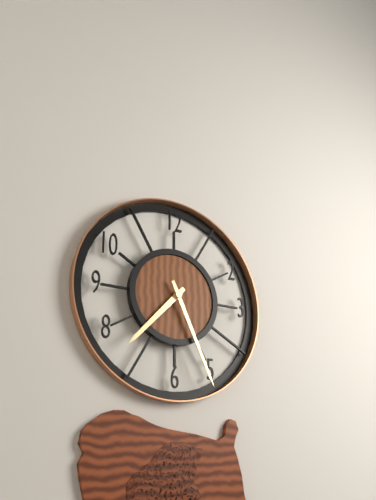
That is 7:26
